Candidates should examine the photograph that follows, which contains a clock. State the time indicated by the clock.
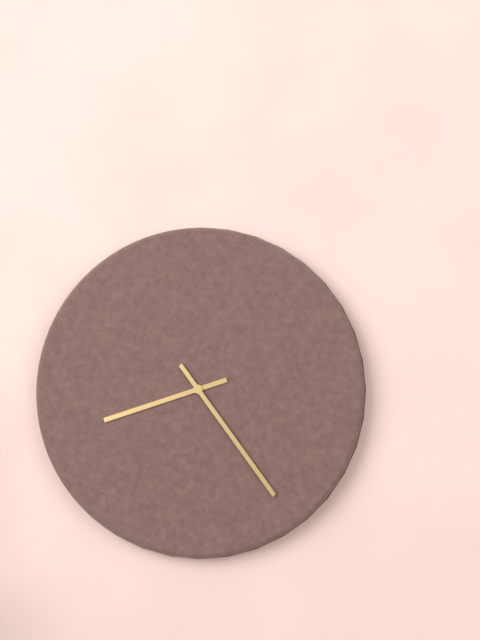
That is 8:24
